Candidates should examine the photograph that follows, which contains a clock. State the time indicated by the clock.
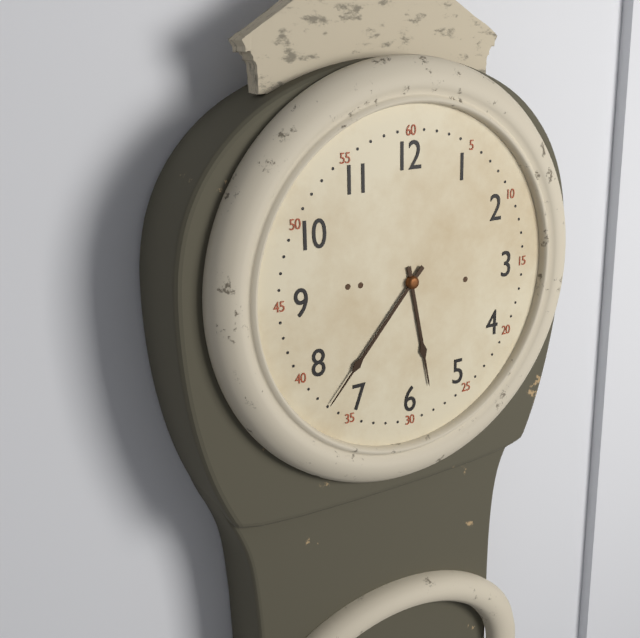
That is 5:37
